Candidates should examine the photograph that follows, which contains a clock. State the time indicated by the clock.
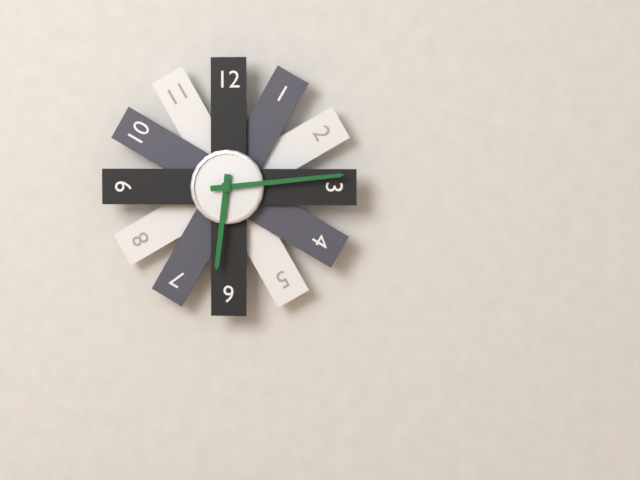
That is 6:14
